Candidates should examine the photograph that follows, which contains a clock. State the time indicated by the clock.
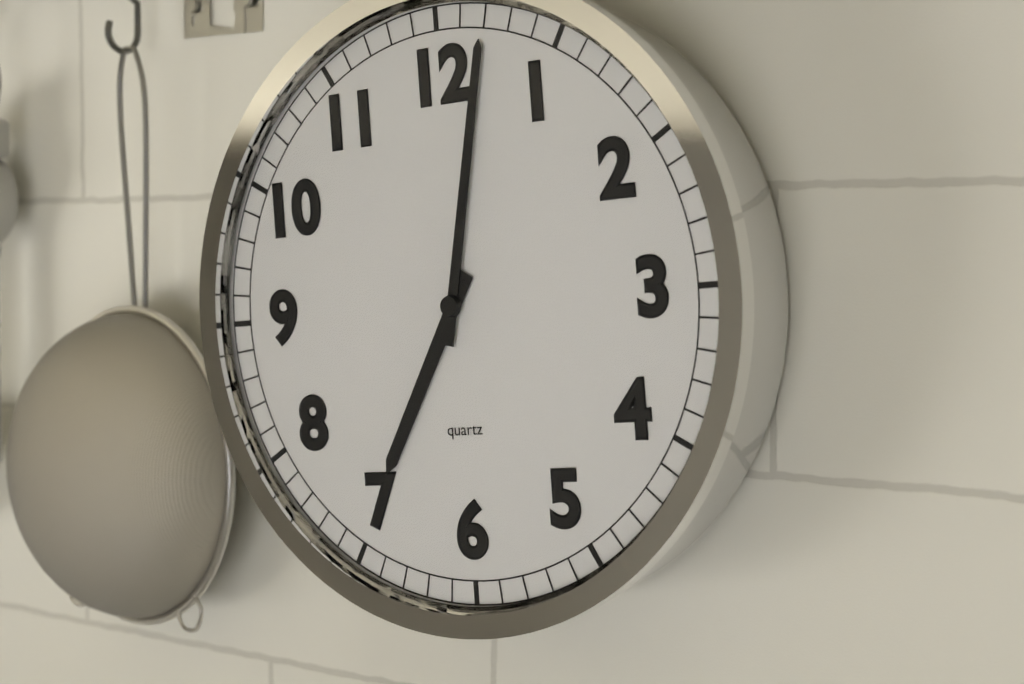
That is 7:02
